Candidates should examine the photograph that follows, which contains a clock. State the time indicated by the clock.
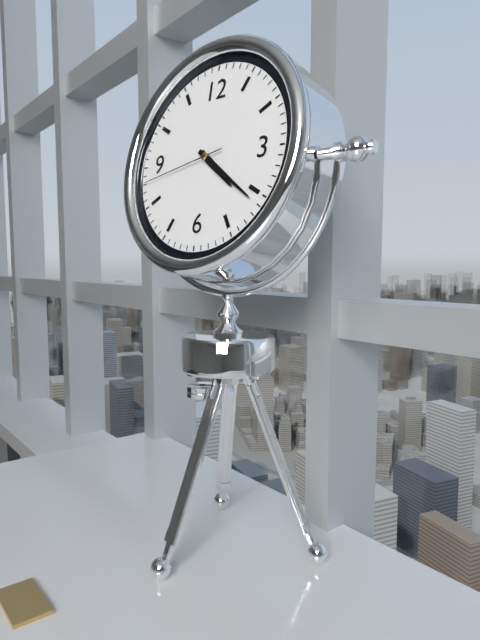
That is 4:21:43
